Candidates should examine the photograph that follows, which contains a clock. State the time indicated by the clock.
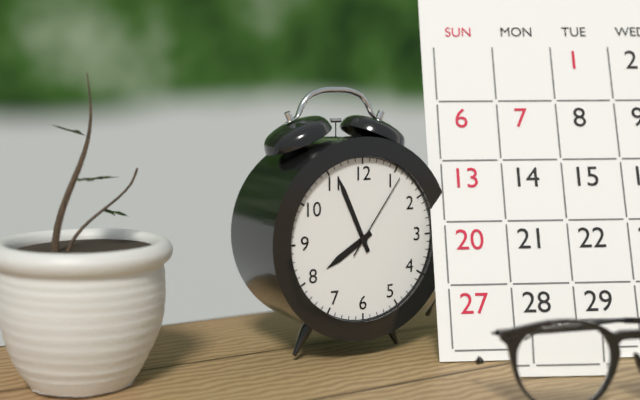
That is 7:56:06
